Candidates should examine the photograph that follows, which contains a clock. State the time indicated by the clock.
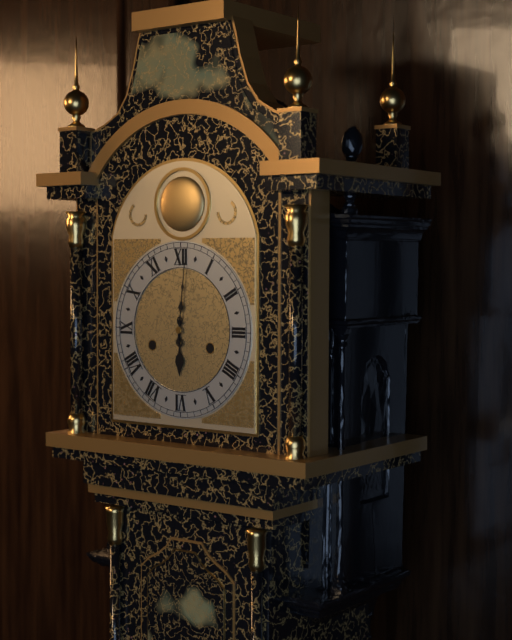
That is 6:01
